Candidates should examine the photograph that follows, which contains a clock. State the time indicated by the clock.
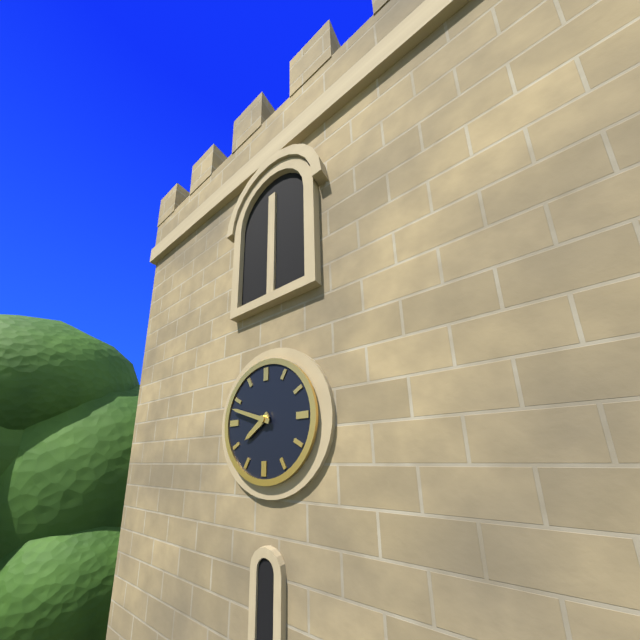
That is 7:48
